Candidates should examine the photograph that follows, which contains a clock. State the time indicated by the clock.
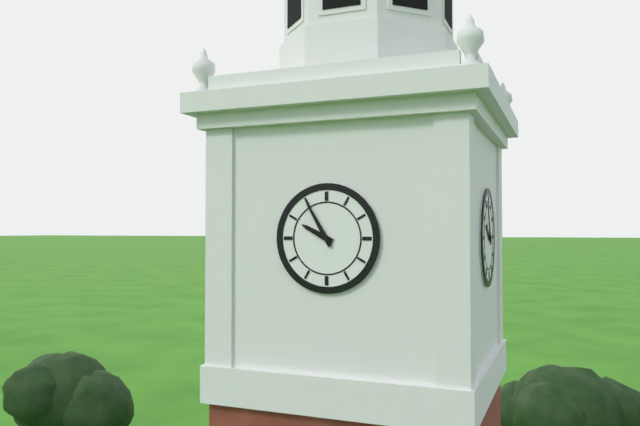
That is 9:55
